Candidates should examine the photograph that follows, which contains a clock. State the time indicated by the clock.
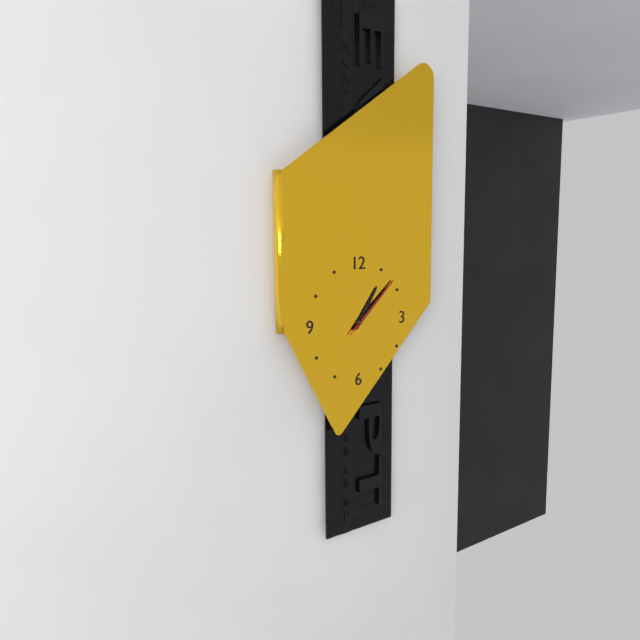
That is 1:08:08
